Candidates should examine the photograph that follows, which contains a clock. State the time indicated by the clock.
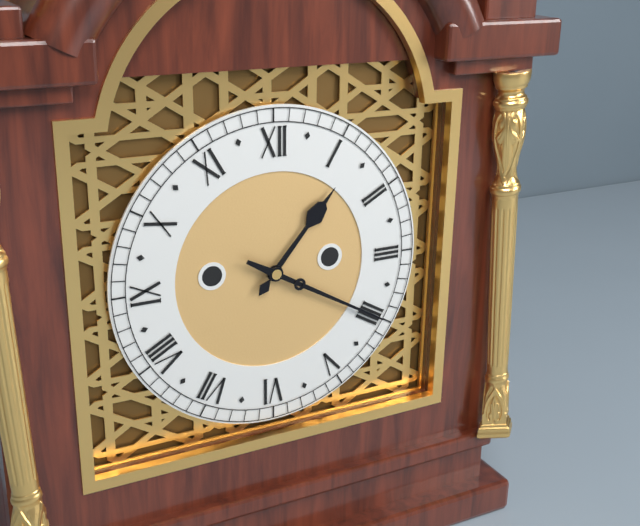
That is 1:20
